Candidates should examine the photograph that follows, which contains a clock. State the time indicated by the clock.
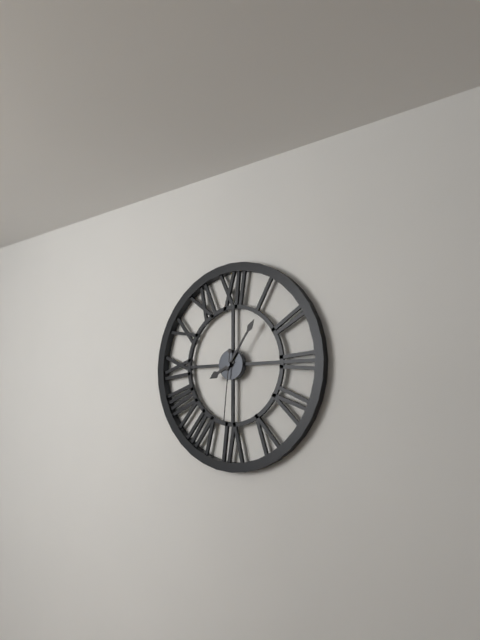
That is 8:06:31
